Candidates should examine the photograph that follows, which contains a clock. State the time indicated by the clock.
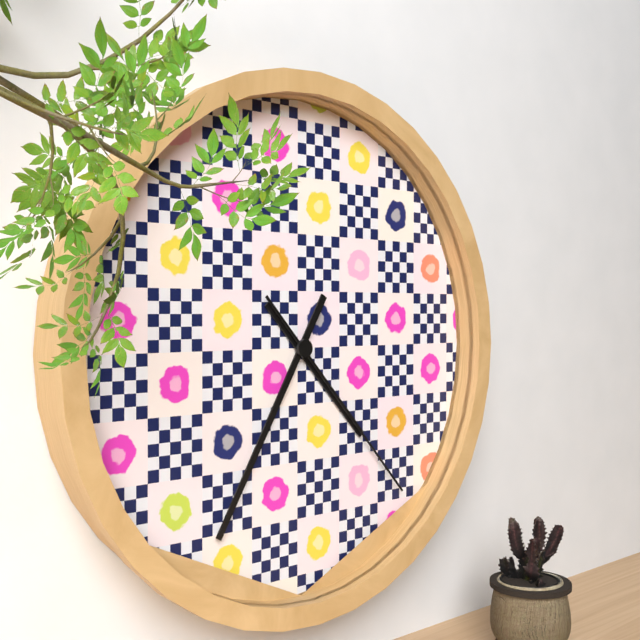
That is 4:35:23
